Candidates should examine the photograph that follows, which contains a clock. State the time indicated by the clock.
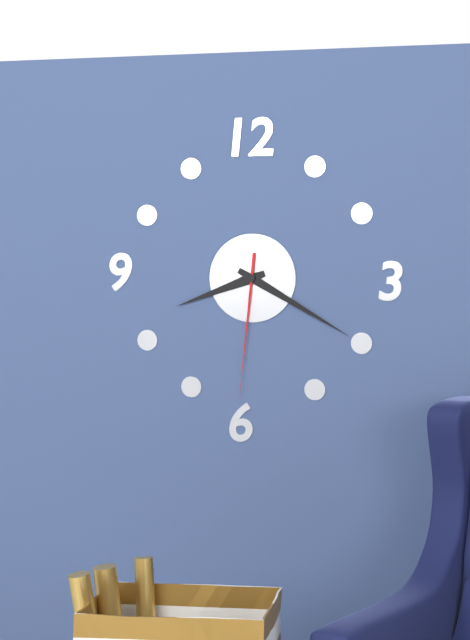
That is 8:20:31
